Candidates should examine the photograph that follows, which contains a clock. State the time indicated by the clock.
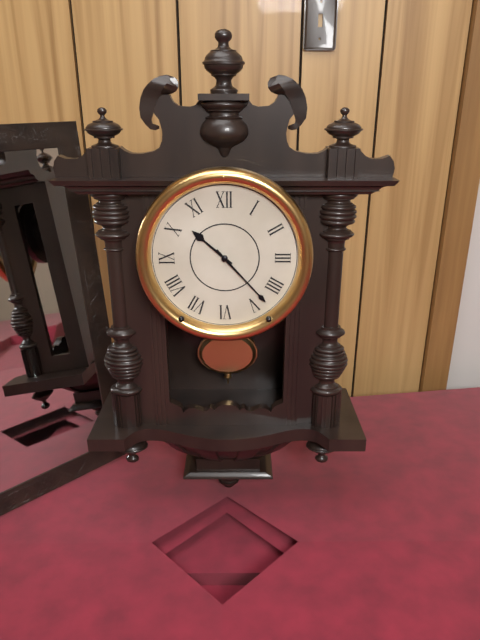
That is 10:23
